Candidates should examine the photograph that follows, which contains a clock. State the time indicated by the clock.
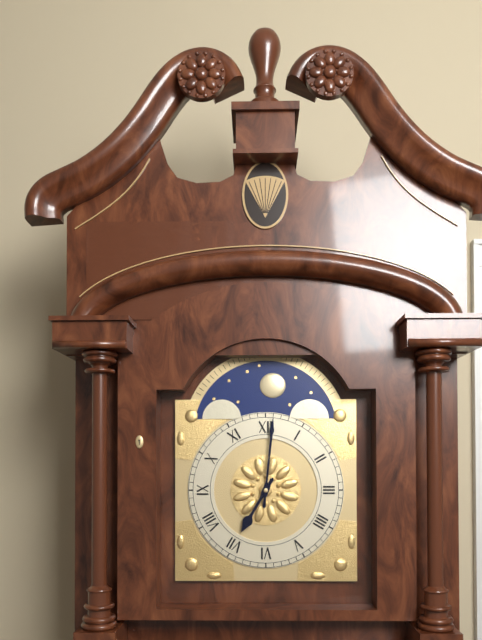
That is 7:01
